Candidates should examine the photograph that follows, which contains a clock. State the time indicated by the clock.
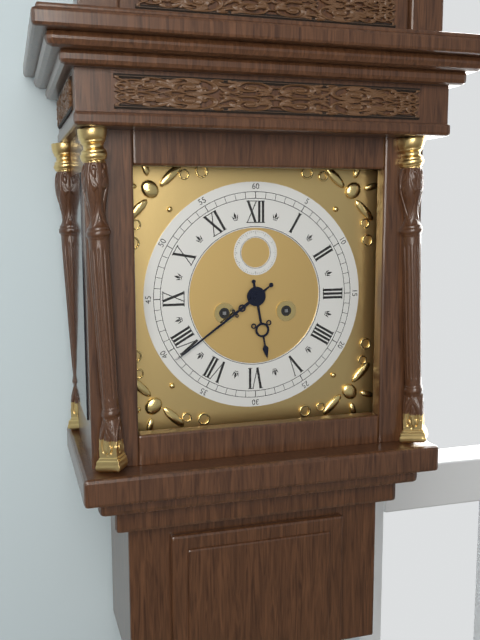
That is 5:39
